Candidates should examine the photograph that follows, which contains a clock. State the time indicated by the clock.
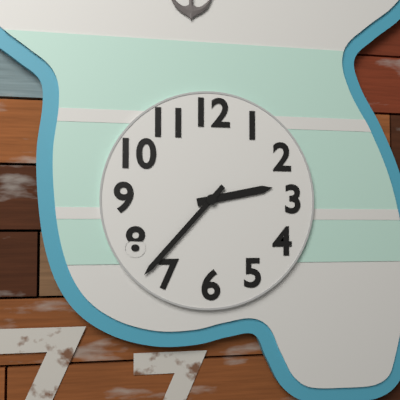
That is 2:37
